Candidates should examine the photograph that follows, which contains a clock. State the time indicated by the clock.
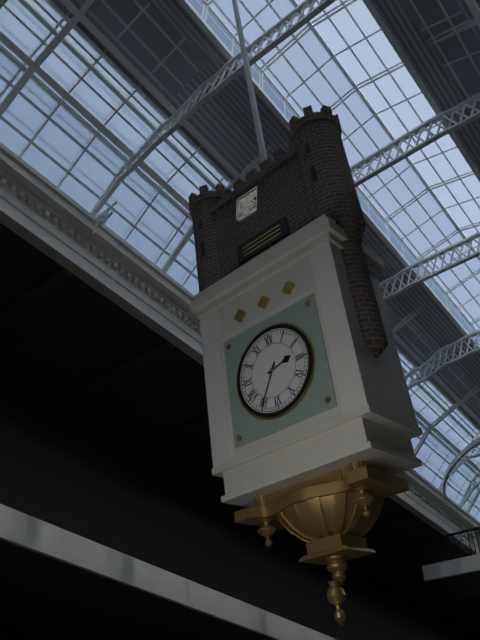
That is 2:35
